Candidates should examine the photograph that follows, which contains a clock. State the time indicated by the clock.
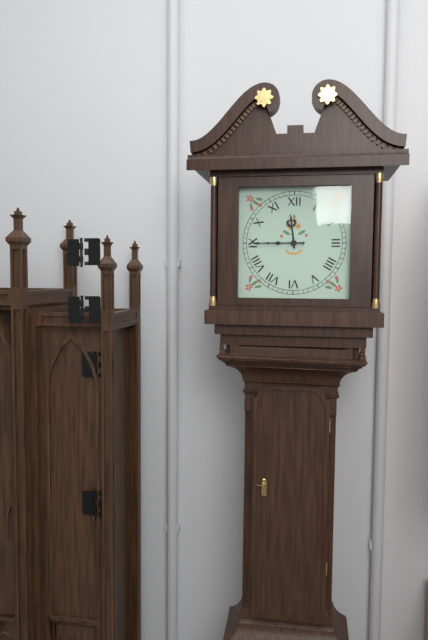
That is 11:45
